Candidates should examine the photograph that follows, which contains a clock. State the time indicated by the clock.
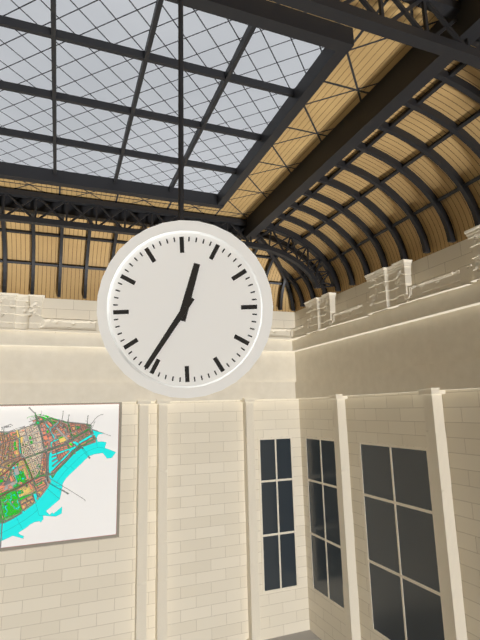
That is 12:36
